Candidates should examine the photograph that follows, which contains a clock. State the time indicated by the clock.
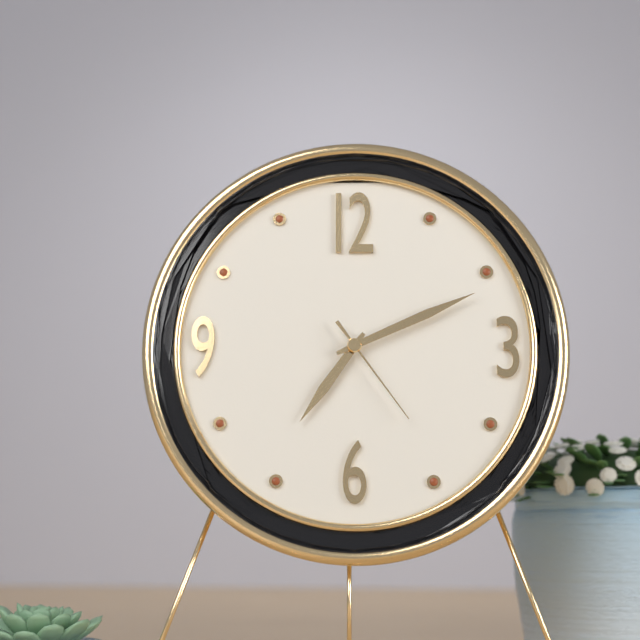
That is 7:11:24
